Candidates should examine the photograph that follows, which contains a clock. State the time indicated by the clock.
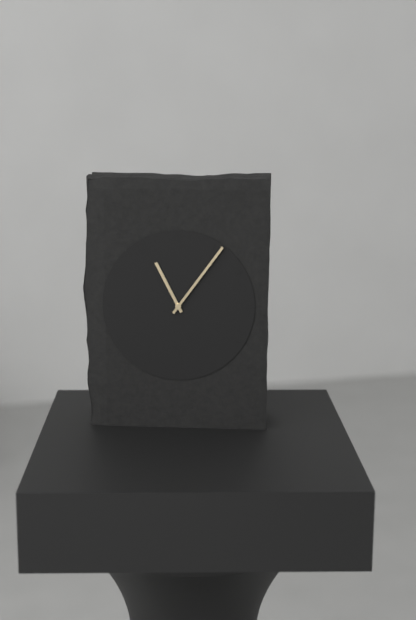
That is 11:06
